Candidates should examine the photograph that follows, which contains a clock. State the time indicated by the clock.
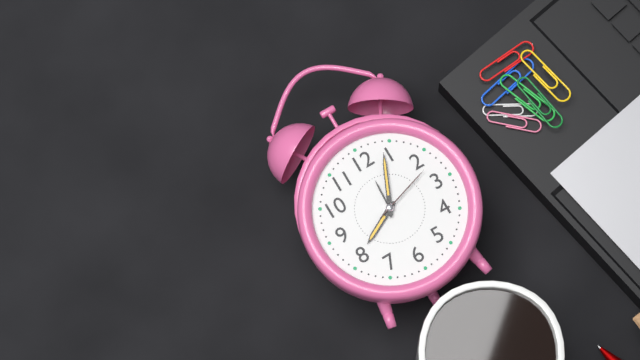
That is 8:04:12
